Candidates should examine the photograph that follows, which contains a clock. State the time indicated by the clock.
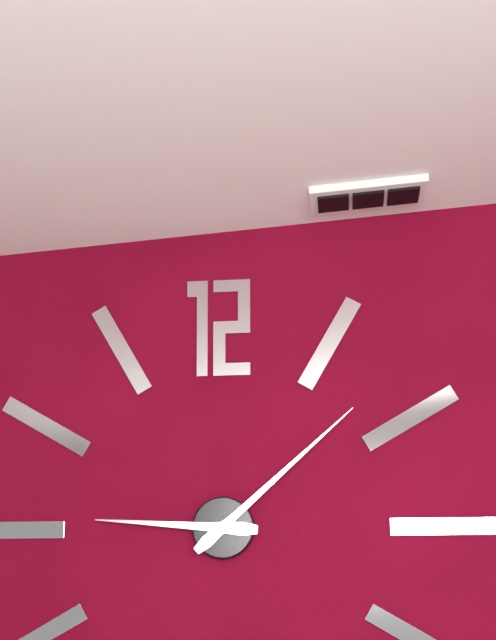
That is 9:08
